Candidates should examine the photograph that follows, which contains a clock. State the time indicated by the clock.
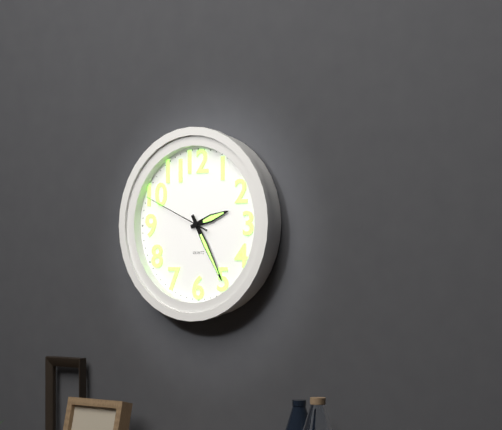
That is 2:25:49
